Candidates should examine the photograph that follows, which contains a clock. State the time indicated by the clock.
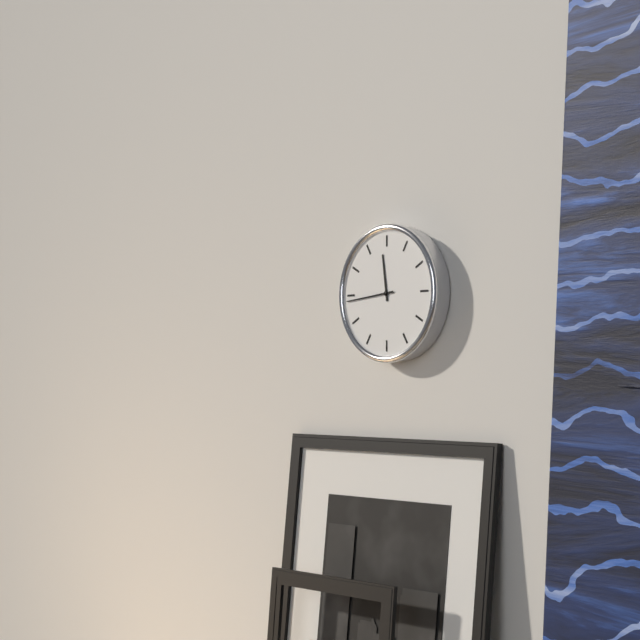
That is 11:44
